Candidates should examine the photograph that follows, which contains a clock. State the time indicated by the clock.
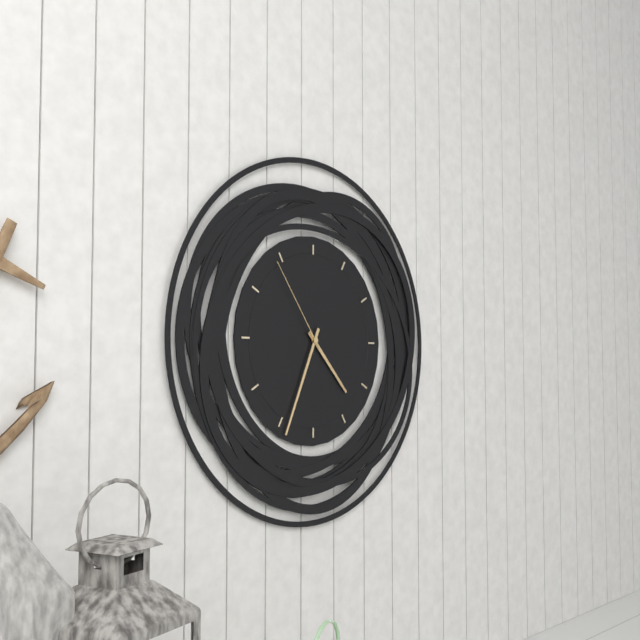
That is 4:34:54
